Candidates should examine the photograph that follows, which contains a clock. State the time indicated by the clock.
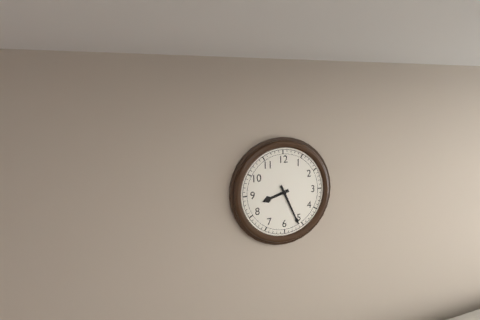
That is 8:26
